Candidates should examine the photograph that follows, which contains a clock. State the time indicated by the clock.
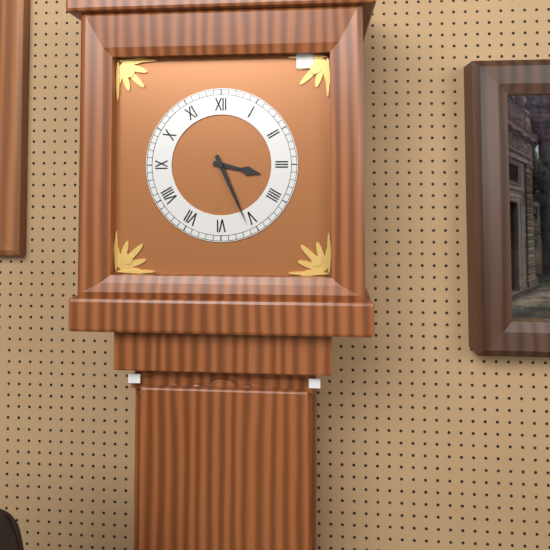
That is 3:26
